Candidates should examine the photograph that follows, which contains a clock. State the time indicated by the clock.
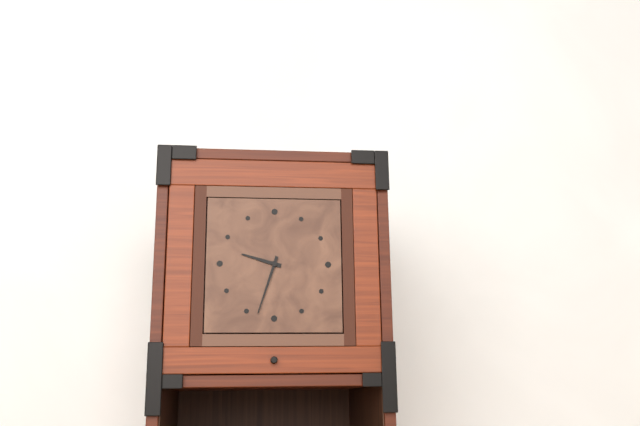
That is 9:33
